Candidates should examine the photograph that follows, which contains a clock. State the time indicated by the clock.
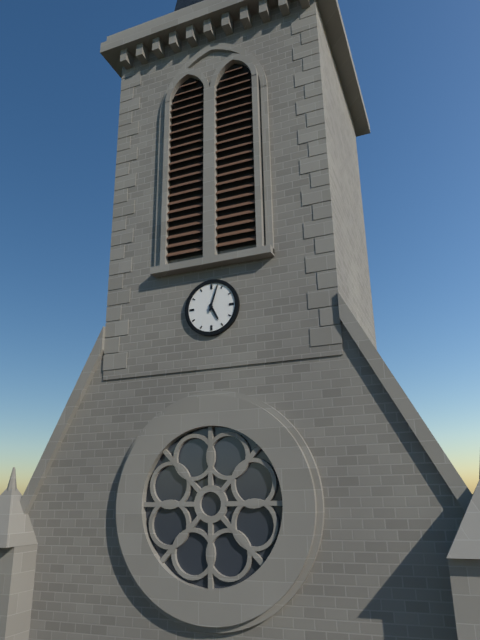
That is 5:03
